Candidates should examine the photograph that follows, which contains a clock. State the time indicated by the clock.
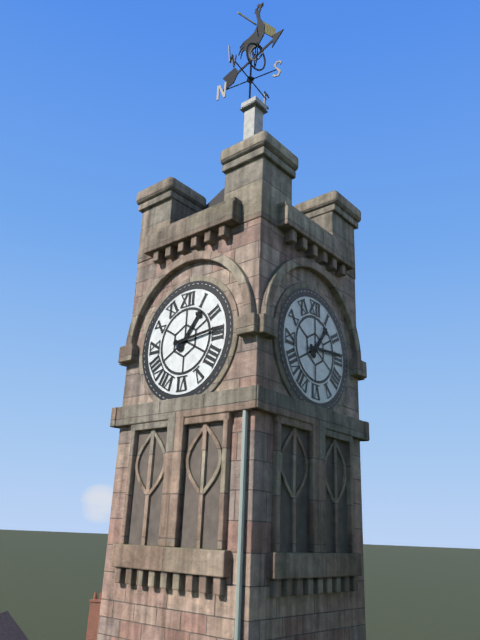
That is 1:14
